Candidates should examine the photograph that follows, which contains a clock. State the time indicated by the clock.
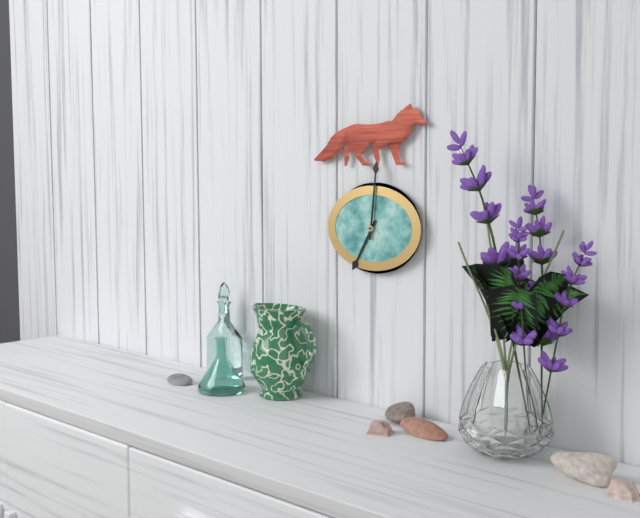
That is 7:01
